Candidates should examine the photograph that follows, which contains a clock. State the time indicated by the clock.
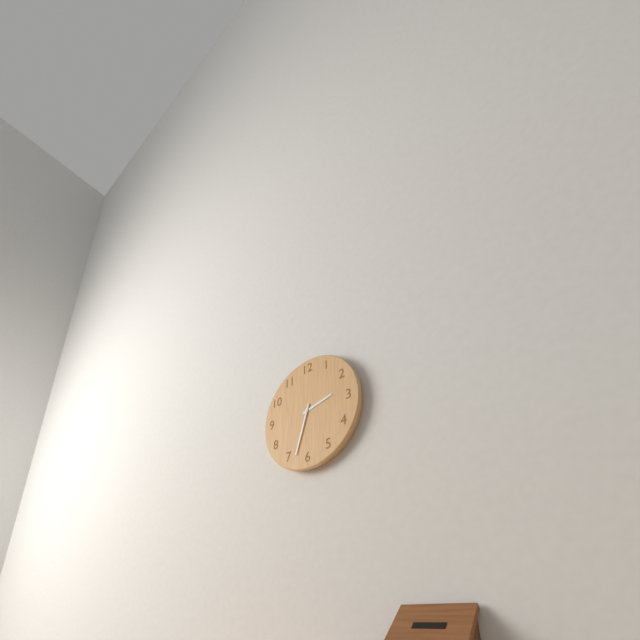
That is 2:33
